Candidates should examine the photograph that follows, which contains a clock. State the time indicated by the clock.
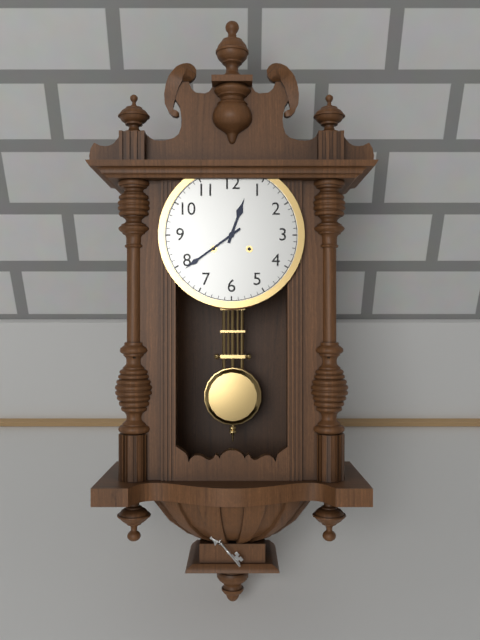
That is 12:39
